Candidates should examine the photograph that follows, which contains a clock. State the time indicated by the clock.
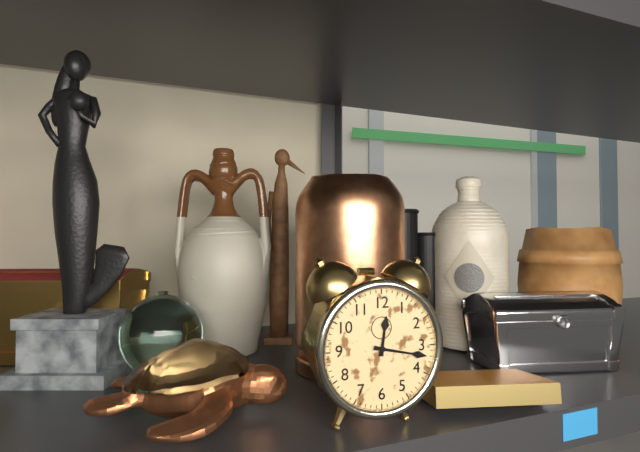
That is 12:17
